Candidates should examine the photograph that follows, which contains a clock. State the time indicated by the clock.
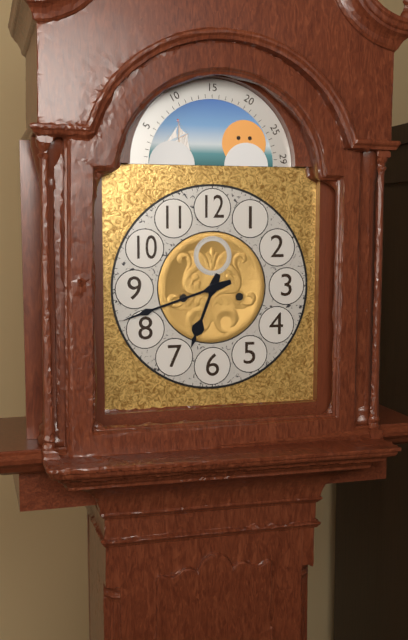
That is 6:42
